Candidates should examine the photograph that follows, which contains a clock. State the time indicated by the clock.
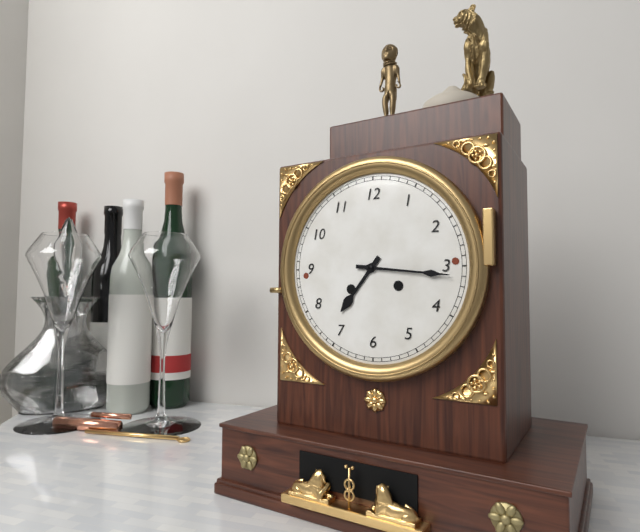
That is 7:16
